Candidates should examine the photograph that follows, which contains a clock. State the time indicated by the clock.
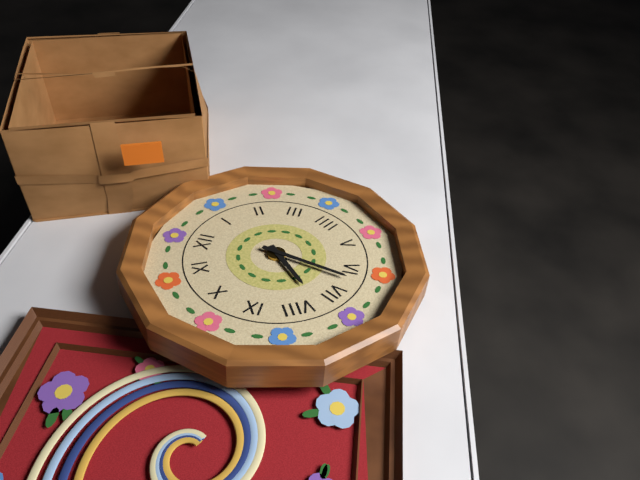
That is 7:32
